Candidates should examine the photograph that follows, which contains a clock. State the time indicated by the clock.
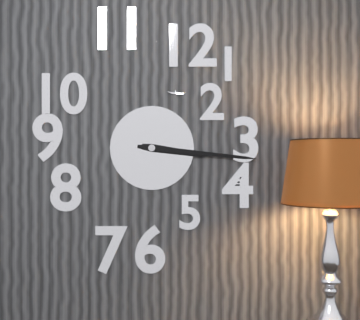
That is 3:16
